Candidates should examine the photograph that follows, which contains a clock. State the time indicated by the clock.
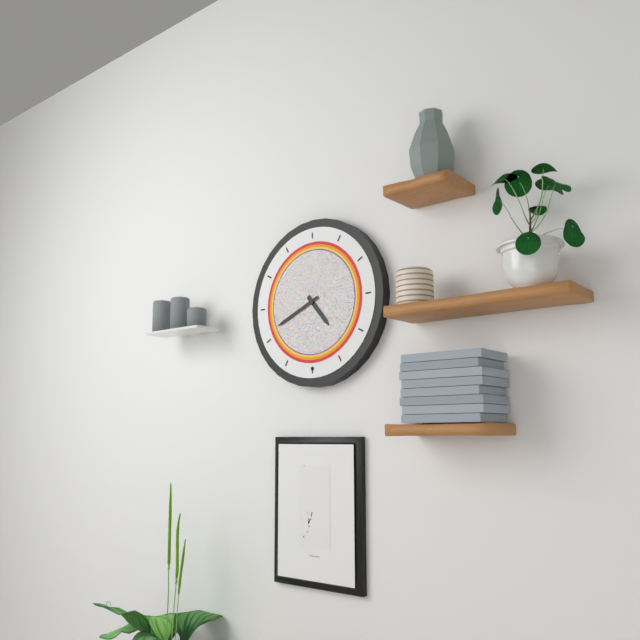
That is 4:41
